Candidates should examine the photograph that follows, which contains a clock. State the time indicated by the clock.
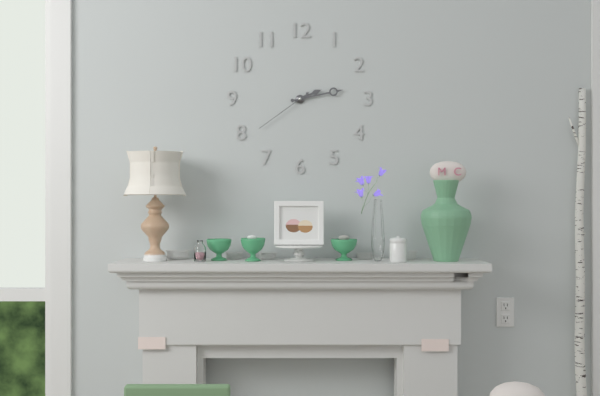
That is 2:13:39
